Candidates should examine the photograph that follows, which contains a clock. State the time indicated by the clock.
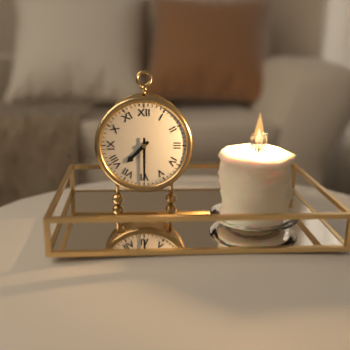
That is 7:30
